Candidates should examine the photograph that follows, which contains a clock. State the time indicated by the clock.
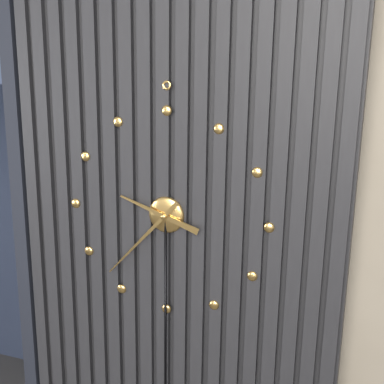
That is 9:37
